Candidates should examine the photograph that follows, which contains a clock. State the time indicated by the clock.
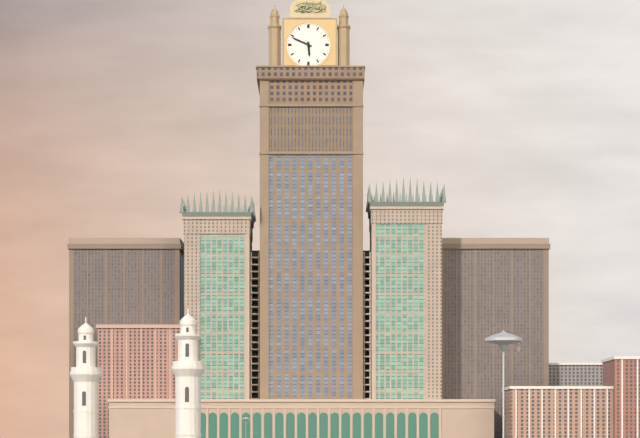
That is 5:49
